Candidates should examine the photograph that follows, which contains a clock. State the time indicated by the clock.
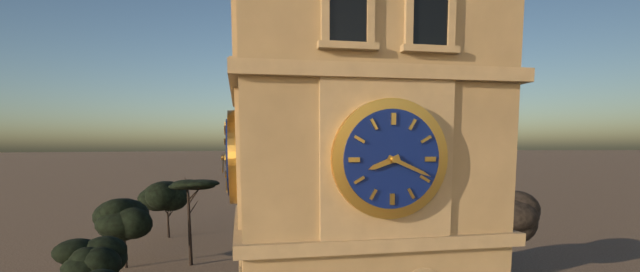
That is 8:19
